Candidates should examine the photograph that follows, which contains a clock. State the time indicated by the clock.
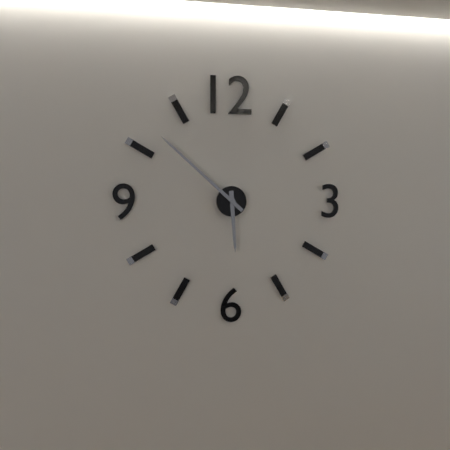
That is 5:52
